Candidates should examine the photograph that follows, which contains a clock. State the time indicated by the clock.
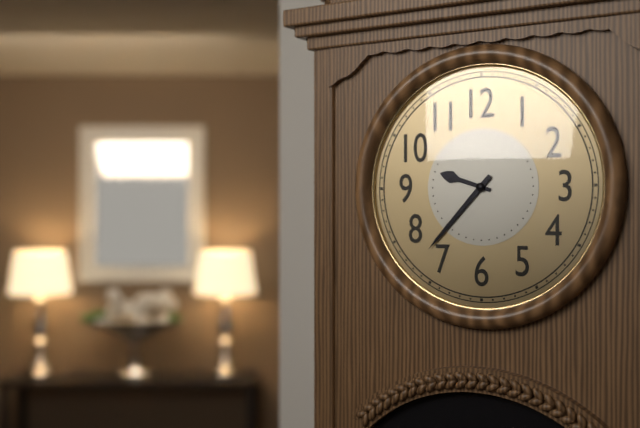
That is 9:37
